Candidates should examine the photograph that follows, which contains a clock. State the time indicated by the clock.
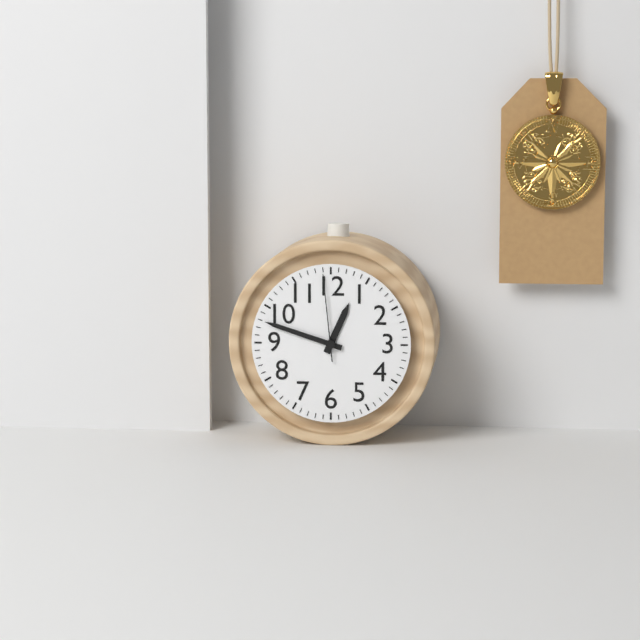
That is 12:48:59
